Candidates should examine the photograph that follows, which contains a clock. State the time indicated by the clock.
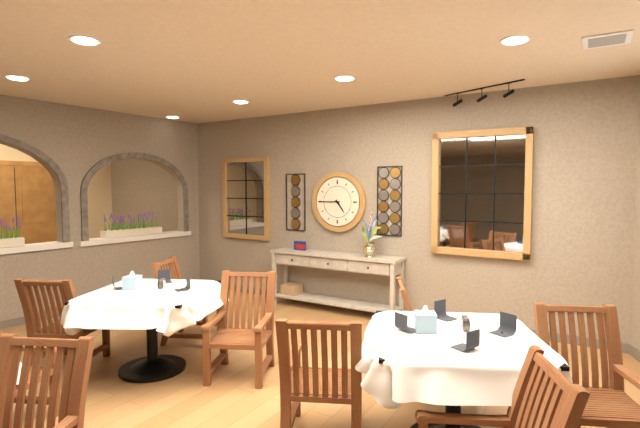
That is 4:45
